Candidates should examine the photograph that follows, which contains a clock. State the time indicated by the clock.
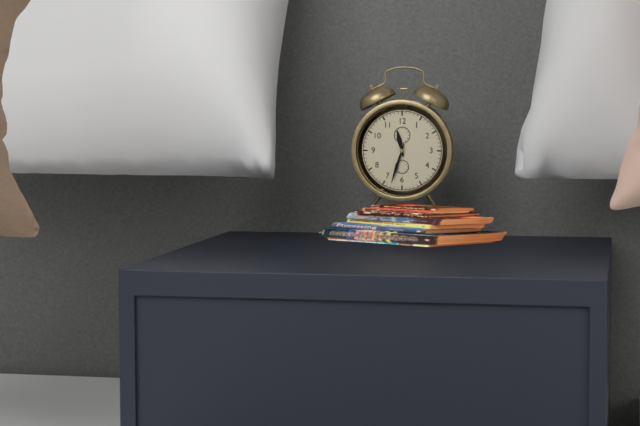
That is 11:33
